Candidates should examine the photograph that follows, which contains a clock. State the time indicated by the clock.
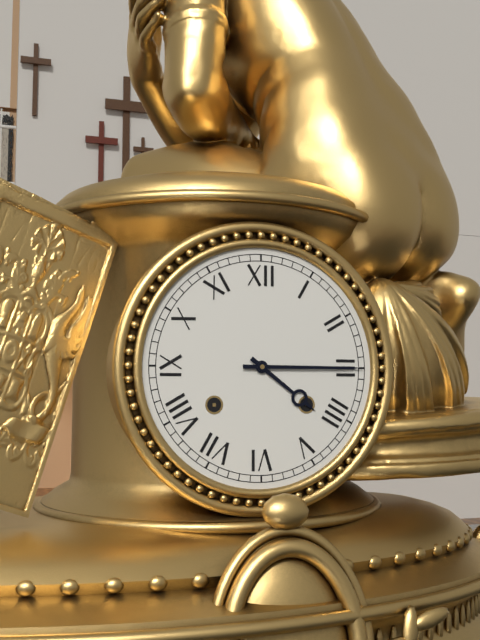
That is 4:15
